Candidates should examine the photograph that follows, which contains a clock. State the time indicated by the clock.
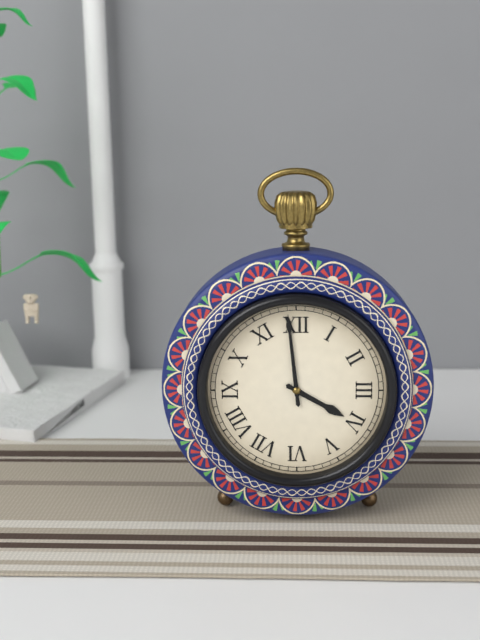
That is 3:59
